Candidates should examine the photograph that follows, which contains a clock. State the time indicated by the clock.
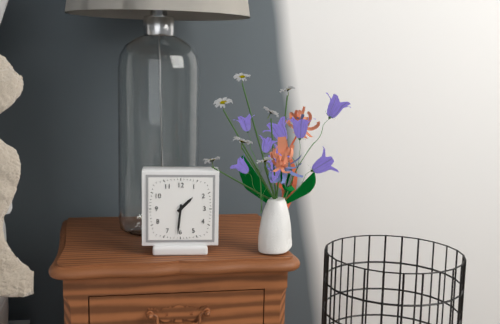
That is 1:31
